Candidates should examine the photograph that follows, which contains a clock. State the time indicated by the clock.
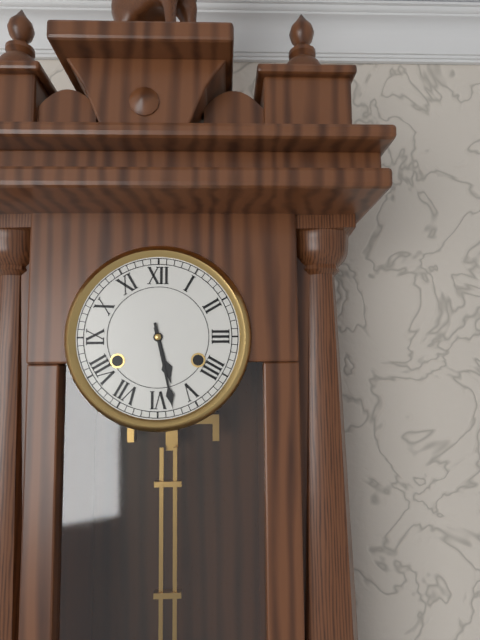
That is 5:28
